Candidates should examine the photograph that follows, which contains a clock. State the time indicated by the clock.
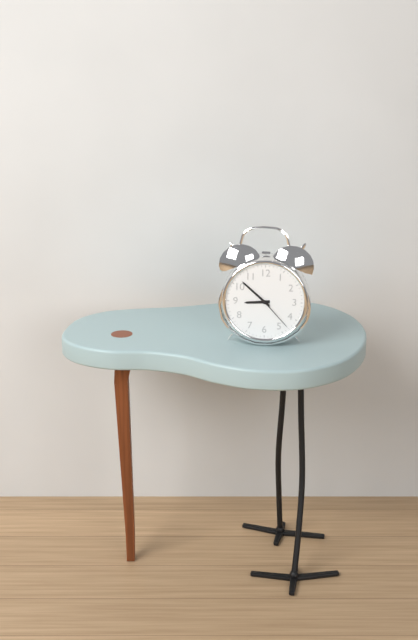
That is 8:52
